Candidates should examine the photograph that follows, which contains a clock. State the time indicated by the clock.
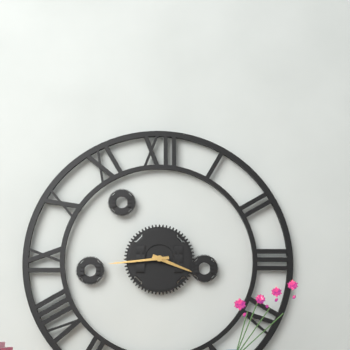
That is 3:44
